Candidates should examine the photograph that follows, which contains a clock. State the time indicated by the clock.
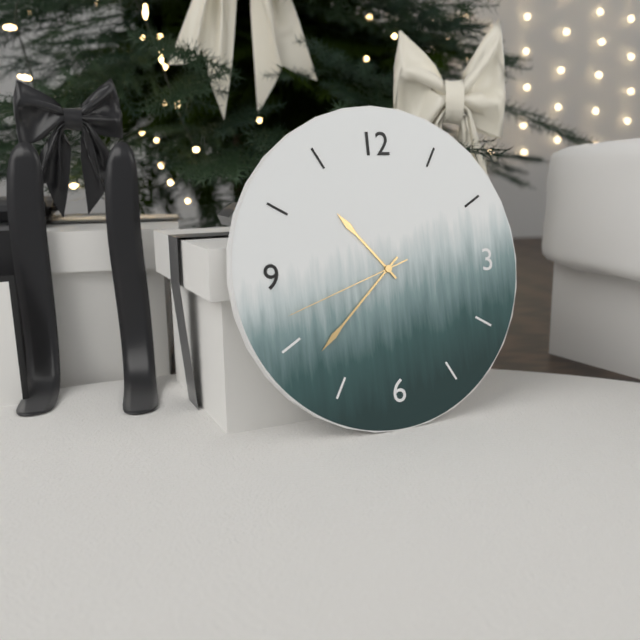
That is 10:38:42
